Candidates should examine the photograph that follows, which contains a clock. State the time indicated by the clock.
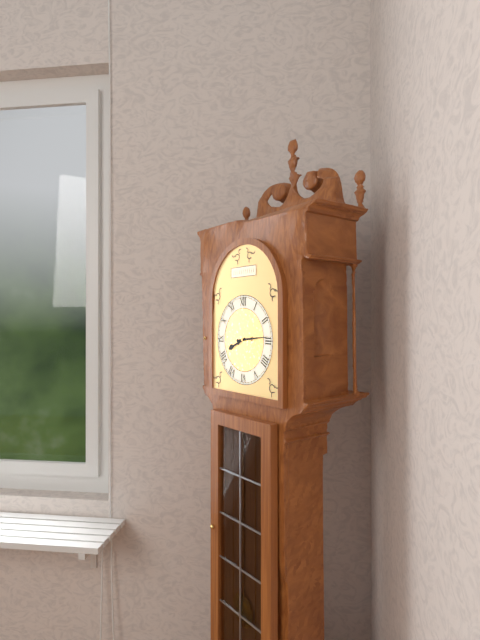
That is 8:14
